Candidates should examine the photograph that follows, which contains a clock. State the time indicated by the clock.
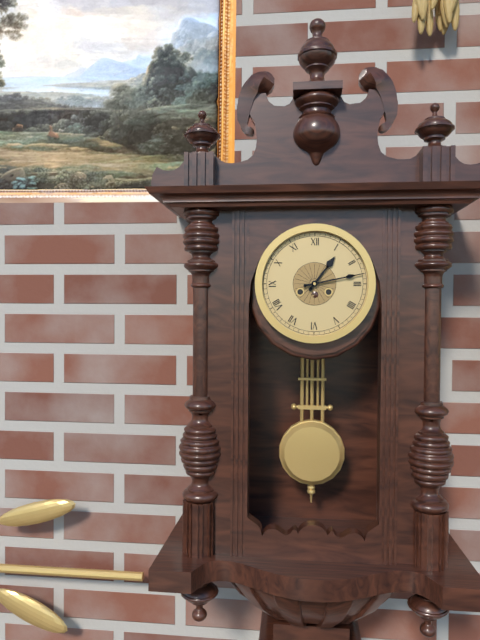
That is 1:13
